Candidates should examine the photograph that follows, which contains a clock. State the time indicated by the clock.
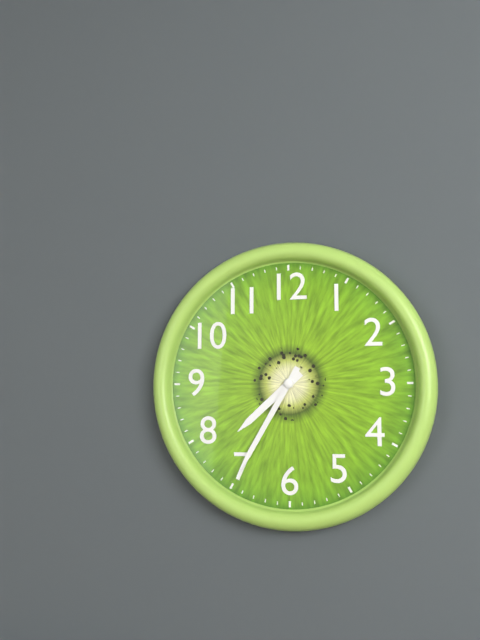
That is 7:35
